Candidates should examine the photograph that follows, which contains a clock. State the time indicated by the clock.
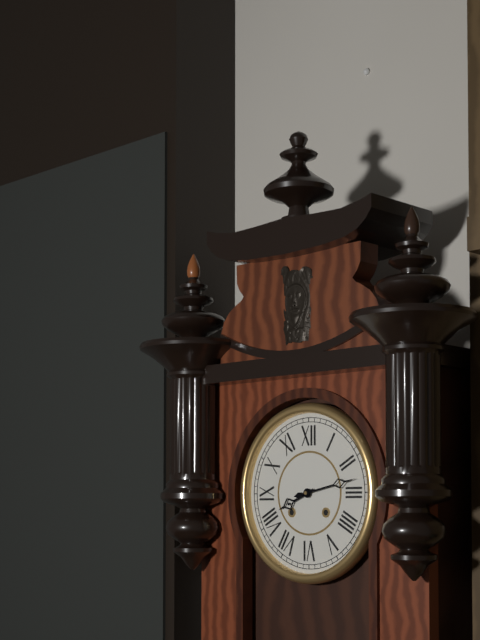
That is 8:13
